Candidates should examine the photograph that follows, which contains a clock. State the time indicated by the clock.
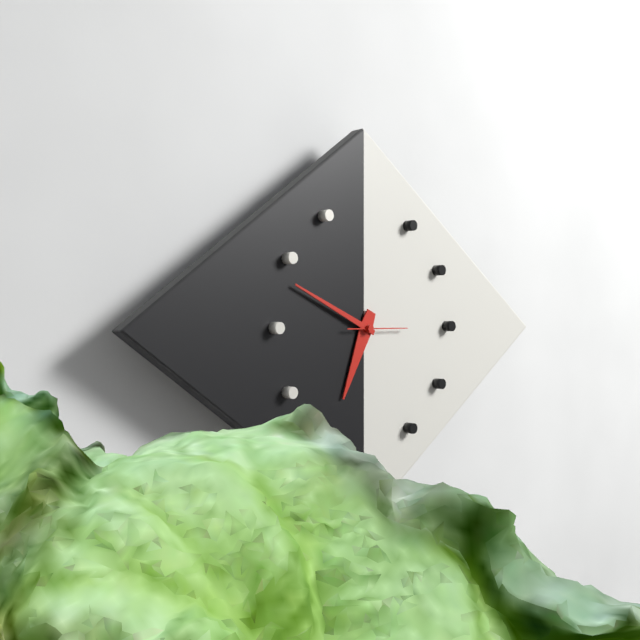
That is 6:49
